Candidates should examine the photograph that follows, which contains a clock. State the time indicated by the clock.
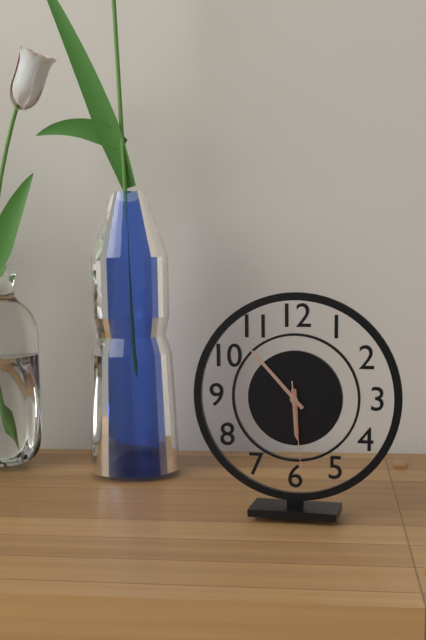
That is 5:53:29
